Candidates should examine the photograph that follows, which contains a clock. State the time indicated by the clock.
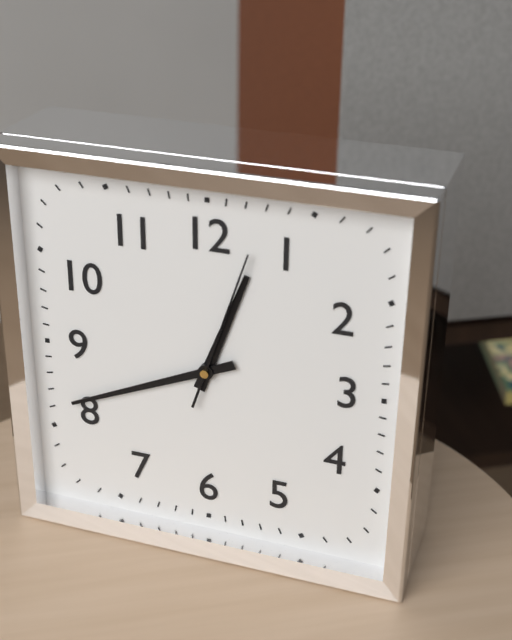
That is 12:41:03
